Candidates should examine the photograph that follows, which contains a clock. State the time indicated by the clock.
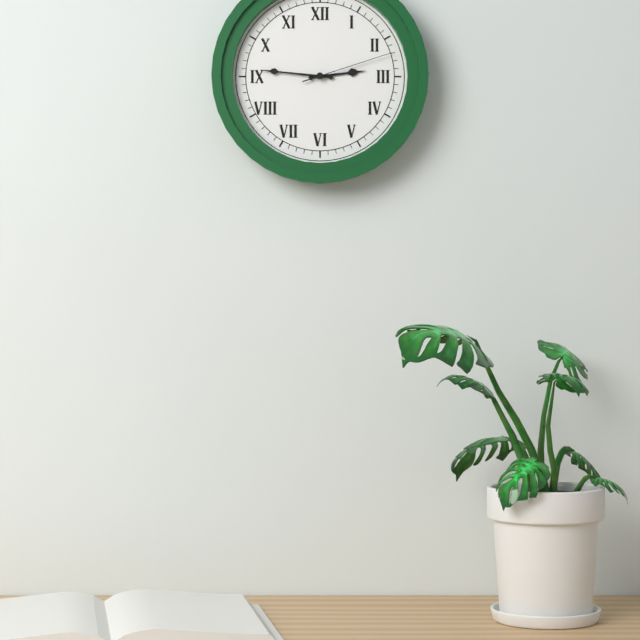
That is 2:46:12
